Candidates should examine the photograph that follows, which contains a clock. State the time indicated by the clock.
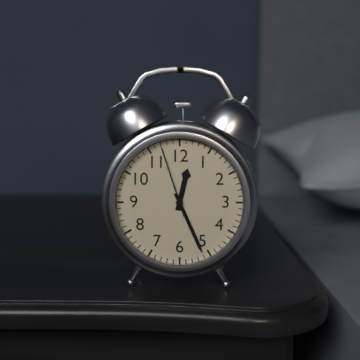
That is 12:26:57
